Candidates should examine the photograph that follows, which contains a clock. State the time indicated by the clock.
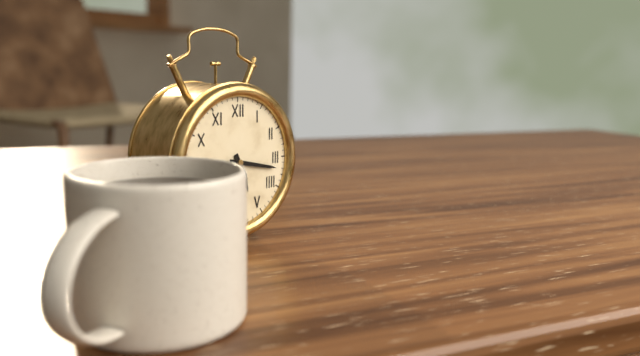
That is 5:17
